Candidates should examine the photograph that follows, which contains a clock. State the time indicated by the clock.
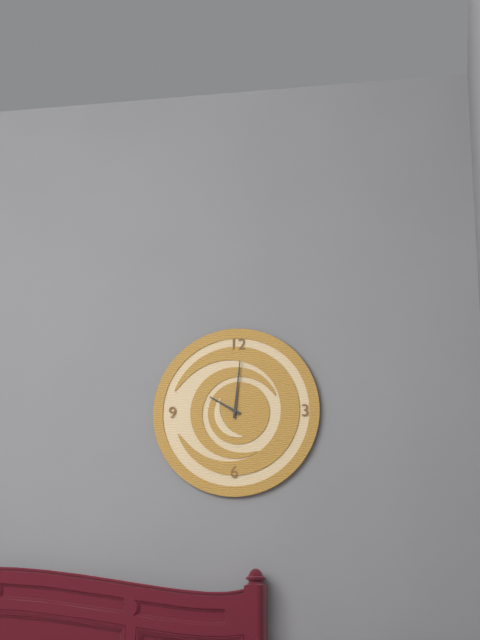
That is 10:01
